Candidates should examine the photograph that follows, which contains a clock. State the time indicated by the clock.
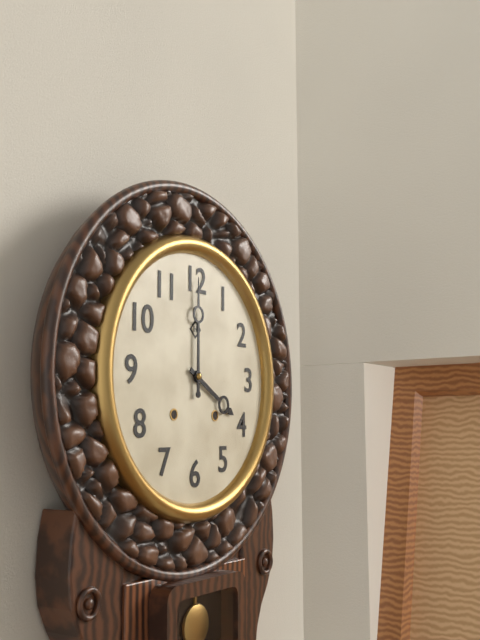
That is 4:00
